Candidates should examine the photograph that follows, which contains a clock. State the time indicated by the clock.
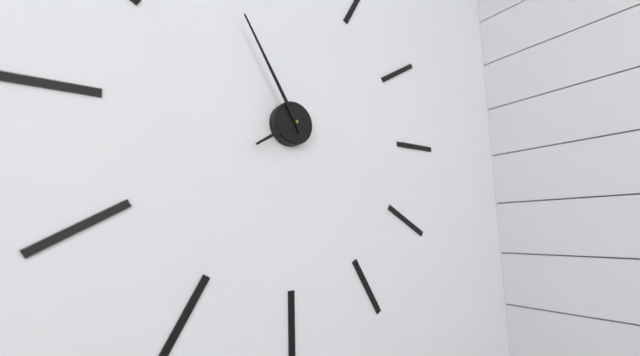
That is 7:55
